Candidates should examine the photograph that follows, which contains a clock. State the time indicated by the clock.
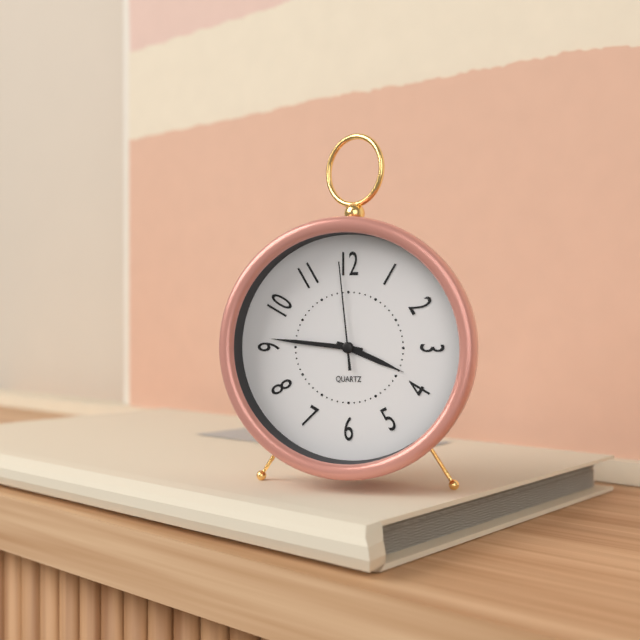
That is 3:46:59
